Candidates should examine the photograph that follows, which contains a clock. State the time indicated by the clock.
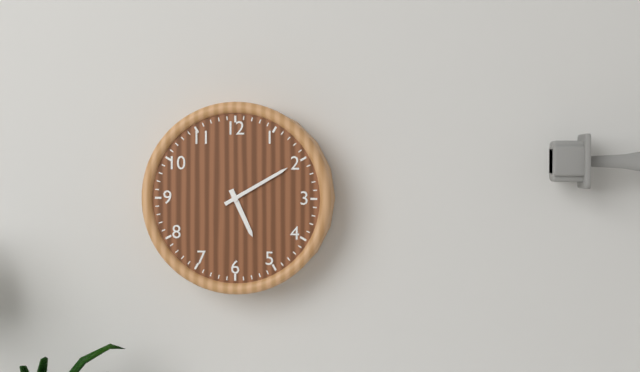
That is 5:10
